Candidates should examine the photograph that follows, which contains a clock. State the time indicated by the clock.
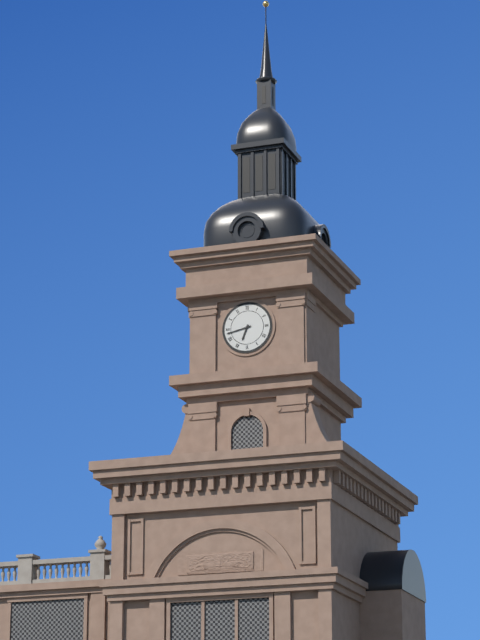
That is 6:43
